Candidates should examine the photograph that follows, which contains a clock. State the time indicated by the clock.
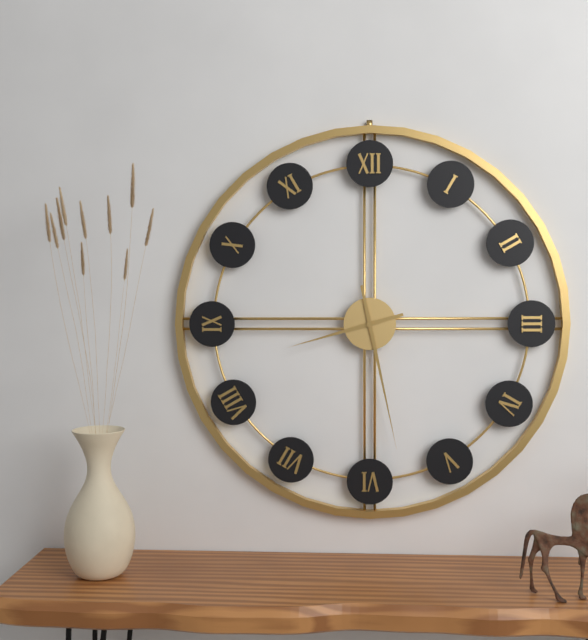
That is 8:28
